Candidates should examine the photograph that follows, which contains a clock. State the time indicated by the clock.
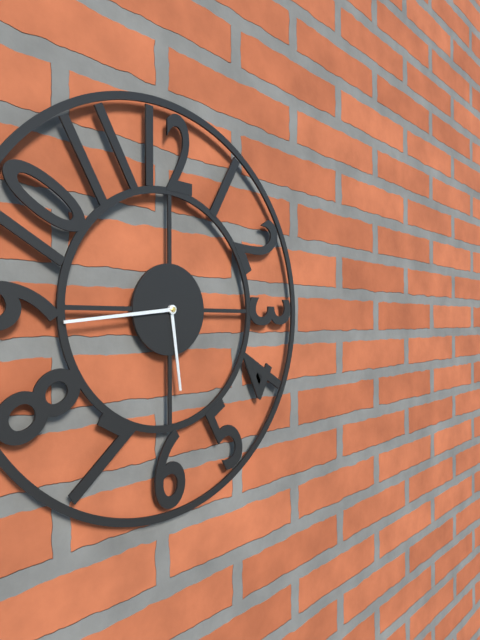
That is 5:44
